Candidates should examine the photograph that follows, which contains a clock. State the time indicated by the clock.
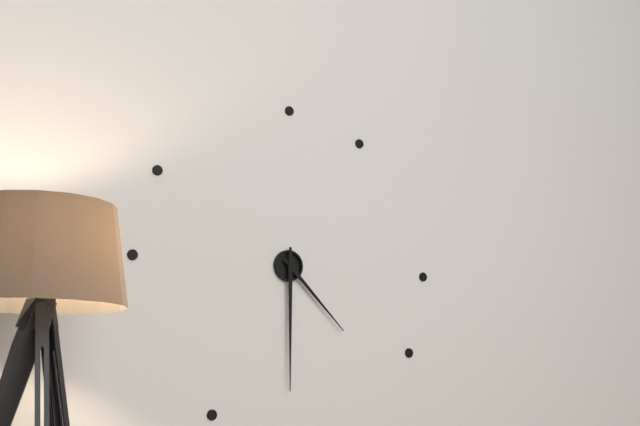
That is 4:30
